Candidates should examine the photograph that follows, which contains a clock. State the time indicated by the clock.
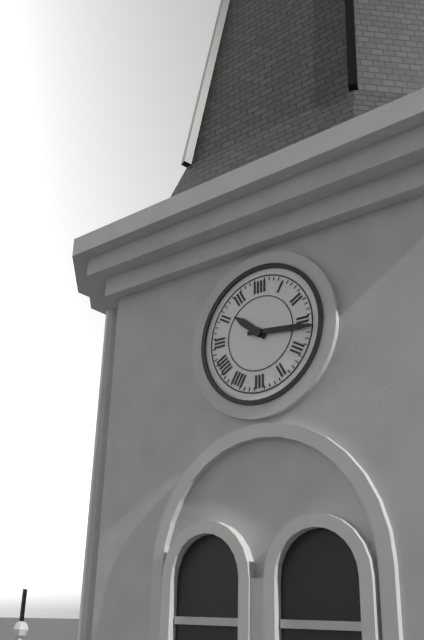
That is 10:16
